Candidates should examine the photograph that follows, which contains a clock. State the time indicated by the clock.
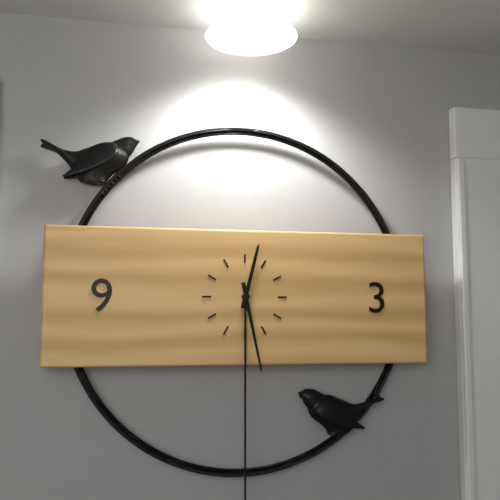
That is 12:28
